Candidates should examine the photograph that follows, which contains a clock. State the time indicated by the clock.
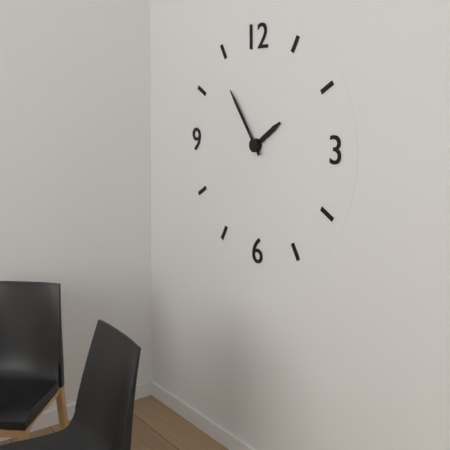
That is 1:54
